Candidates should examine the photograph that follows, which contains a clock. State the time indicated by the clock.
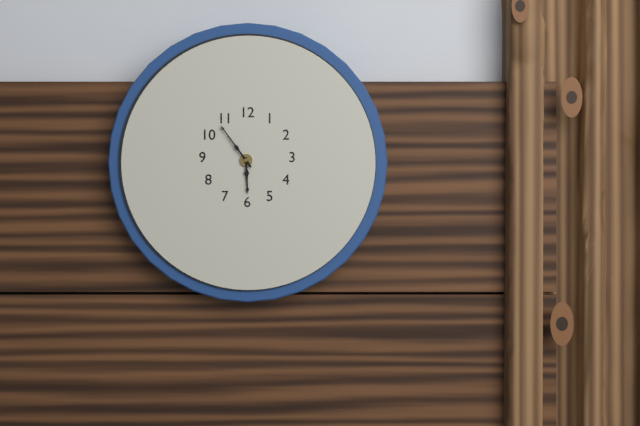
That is 5:54
